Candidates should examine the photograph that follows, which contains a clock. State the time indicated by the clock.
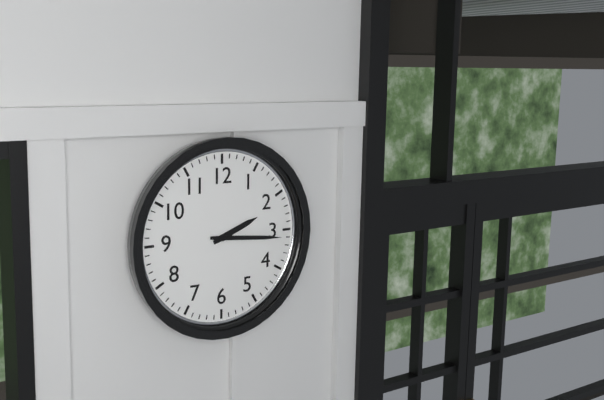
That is 2:16
